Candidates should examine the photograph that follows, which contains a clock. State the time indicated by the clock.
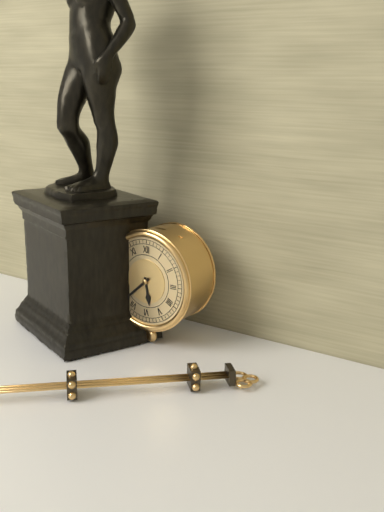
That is 5:38
